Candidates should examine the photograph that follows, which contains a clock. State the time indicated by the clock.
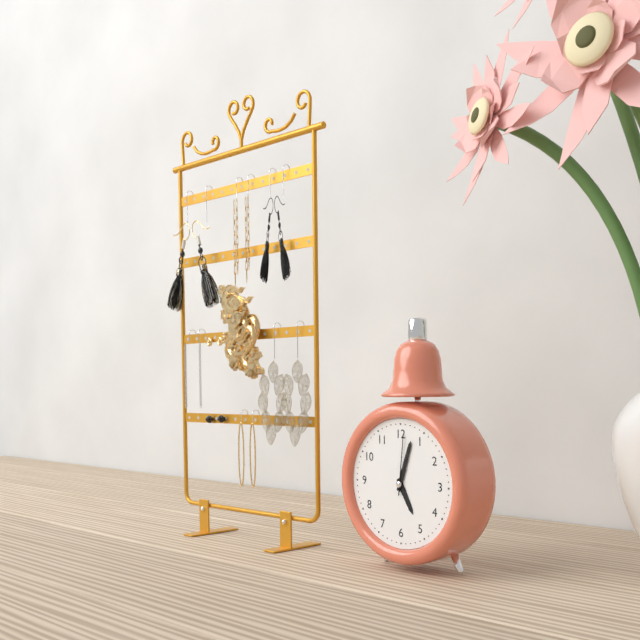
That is 5:03:01
